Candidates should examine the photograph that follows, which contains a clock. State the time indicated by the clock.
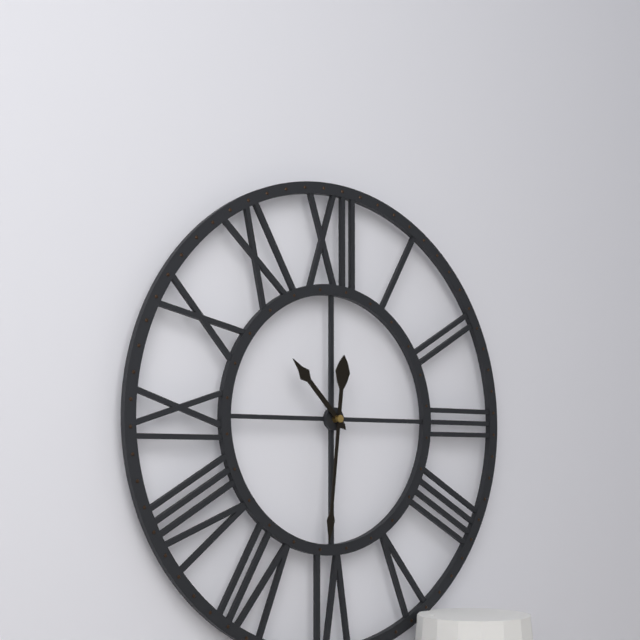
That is 10:31
